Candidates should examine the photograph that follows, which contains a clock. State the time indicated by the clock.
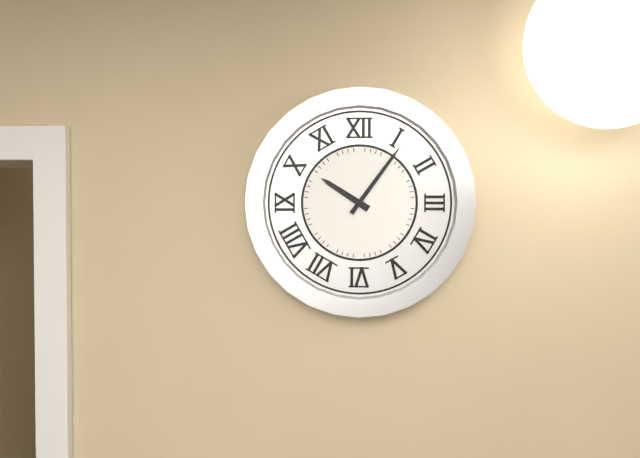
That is 10:06
